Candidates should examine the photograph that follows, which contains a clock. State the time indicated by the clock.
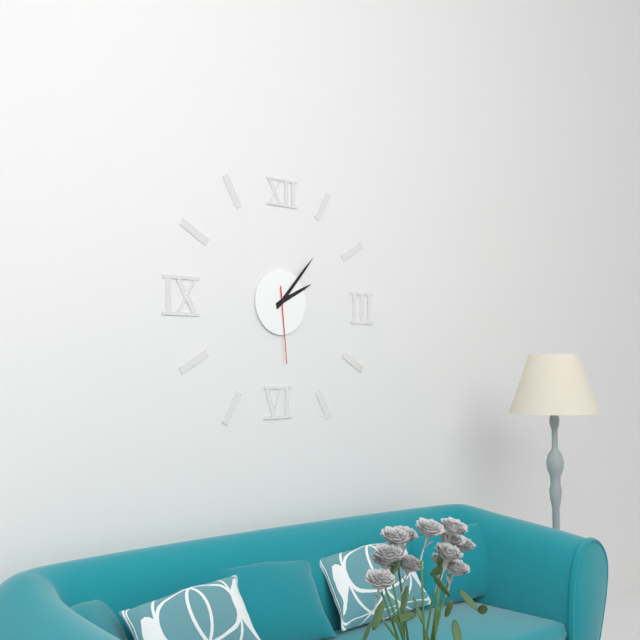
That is 2:07:29
